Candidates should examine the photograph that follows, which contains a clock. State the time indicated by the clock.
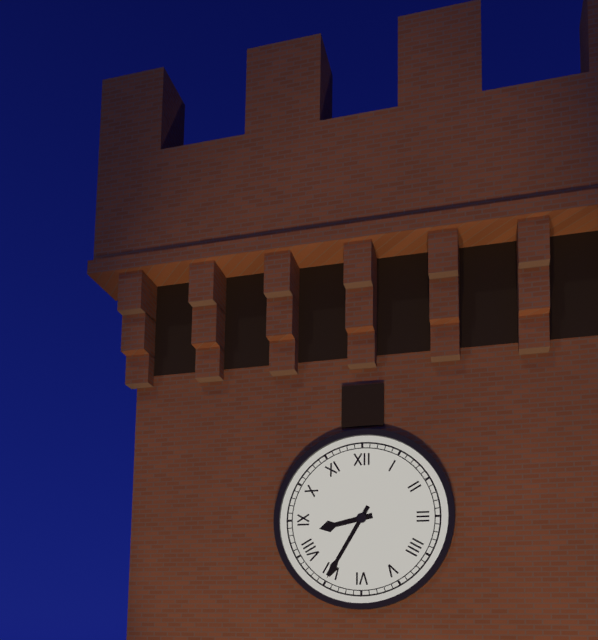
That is 8:35
